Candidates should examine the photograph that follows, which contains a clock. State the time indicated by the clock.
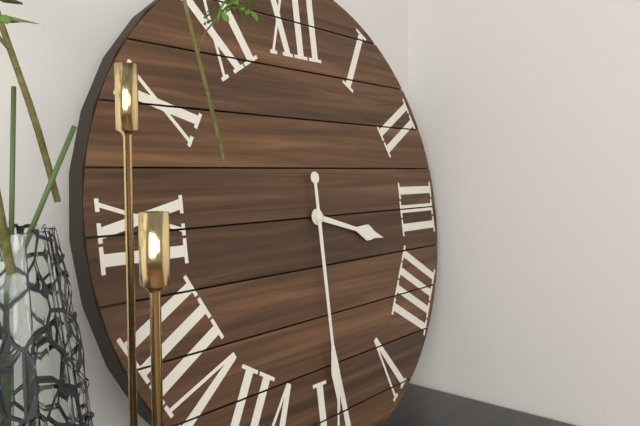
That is 3:30
